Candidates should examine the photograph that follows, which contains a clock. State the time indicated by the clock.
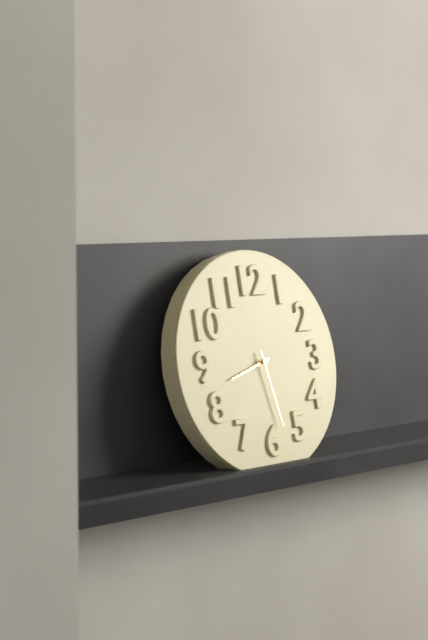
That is 8:28
